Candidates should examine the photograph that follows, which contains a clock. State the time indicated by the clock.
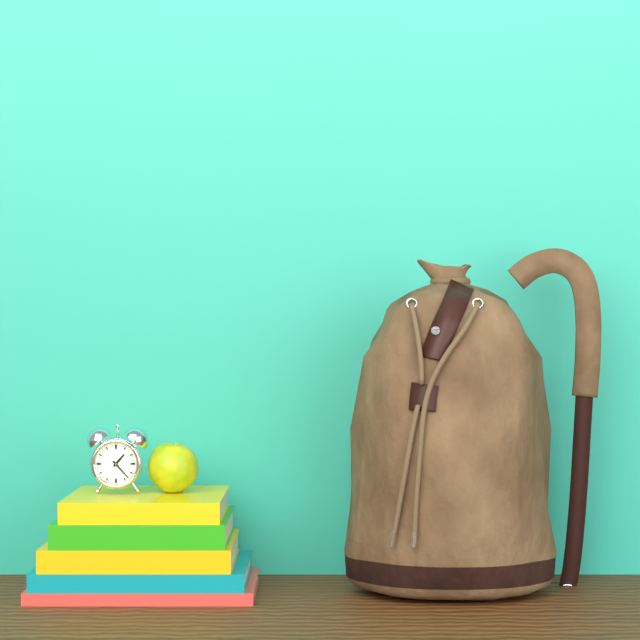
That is 1:23
